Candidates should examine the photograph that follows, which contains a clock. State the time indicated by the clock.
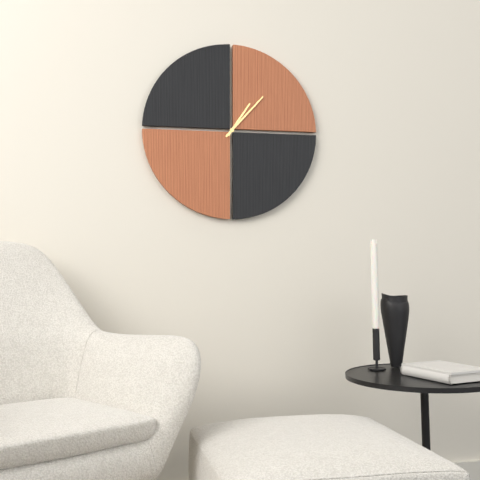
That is 1:07
